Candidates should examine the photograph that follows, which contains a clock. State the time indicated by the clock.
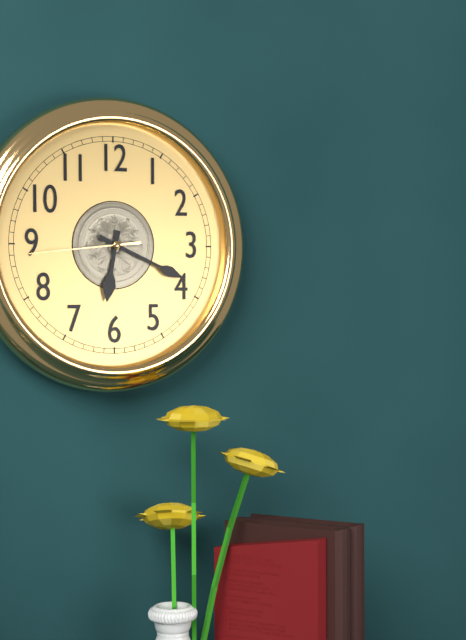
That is 6:19:44
